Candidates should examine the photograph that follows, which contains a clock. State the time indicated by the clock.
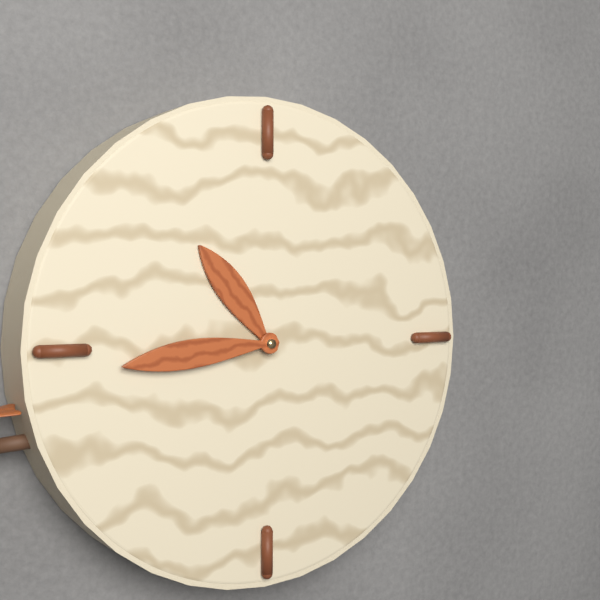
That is 10:44
